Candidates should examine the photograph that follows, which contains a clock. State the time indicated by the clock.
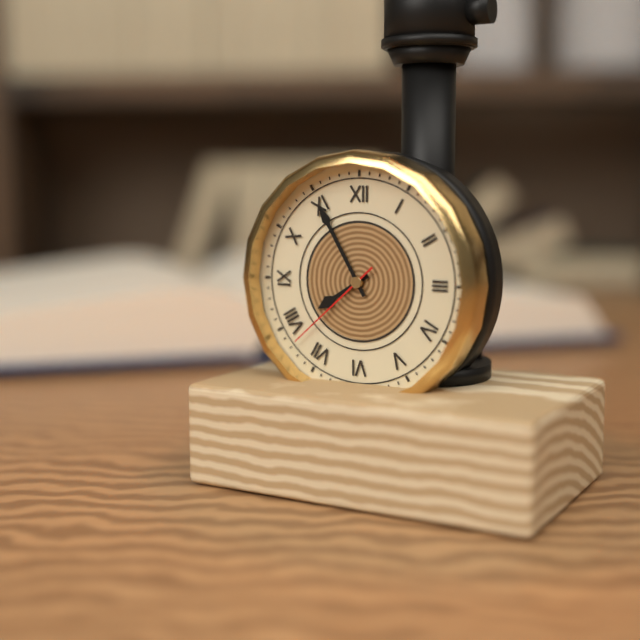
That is 7:55:38
